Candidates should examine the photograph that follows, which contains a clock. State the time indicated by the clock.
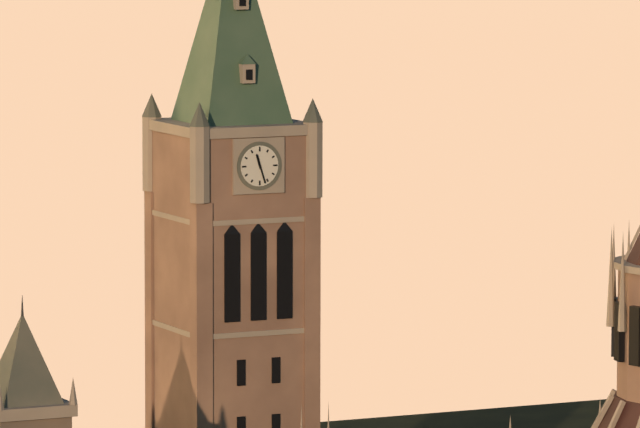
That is 11:27
